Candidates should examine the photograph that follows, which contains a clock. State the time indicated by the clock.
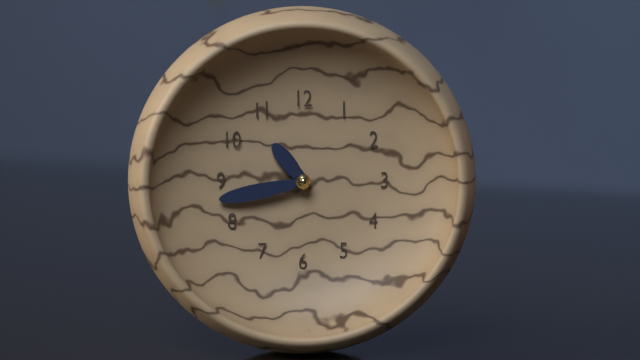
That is 10:43
